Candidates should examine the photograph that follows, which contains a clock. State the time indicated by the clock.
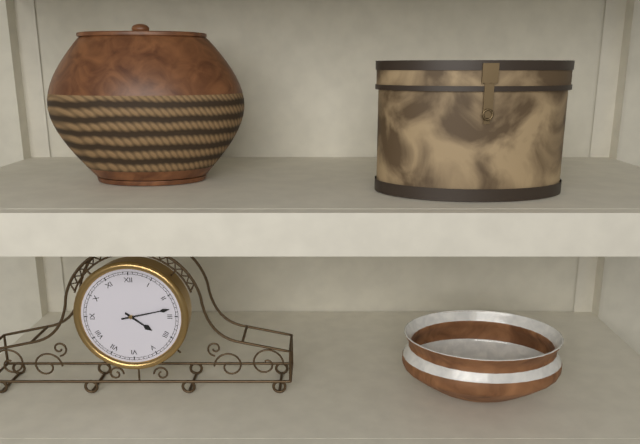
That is 4:13
